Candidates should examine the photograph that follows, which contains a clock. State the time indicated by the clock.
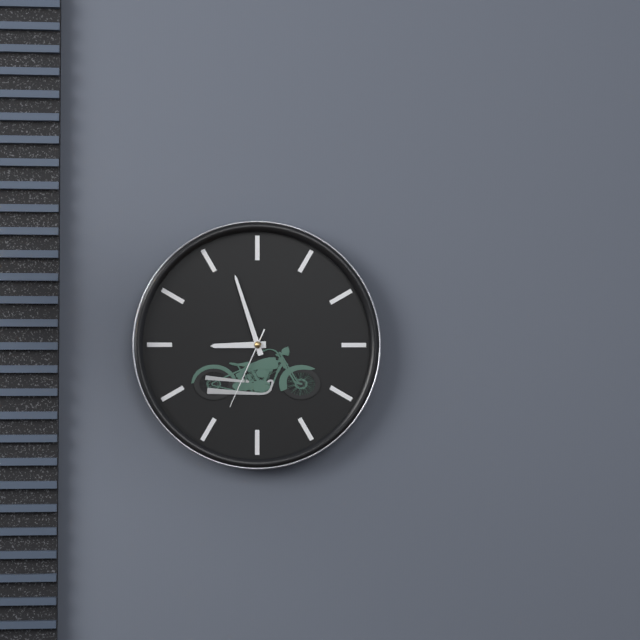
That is 8:57:34
